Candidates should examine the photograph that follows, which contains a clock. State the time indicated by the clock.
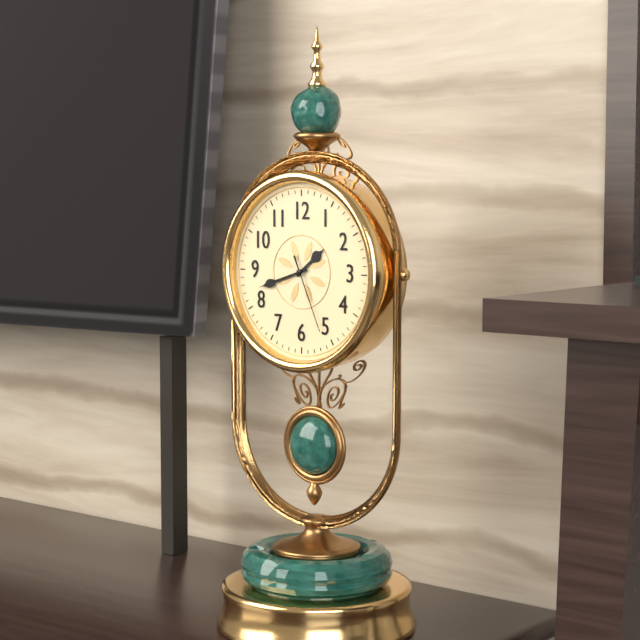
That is 1:42:26
